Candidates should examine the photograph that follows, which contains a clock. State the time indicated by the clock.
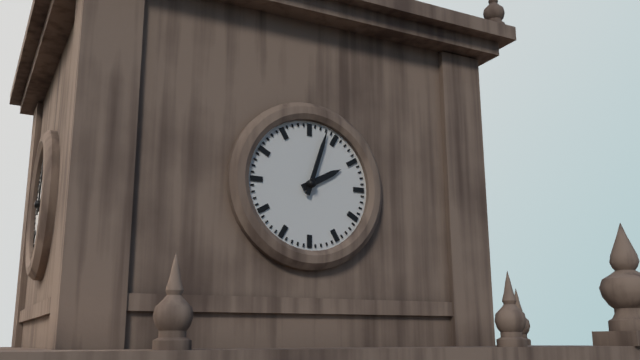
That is 2:03
